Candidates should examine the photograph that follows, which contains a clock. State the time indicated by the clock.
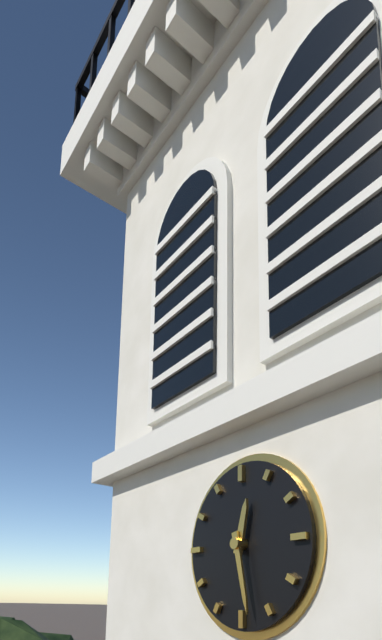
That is 12:28
